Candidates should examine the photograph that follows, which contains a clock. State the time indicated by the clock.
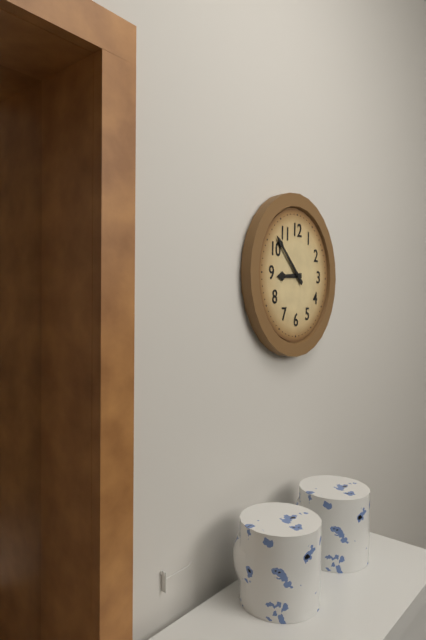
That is 8:52
